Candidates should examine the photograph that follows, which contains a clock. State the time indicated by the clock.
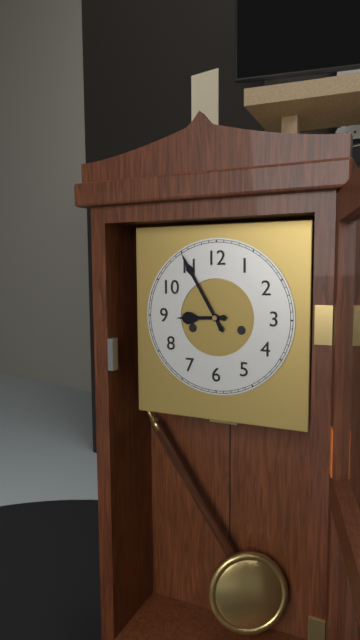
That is 8:55
